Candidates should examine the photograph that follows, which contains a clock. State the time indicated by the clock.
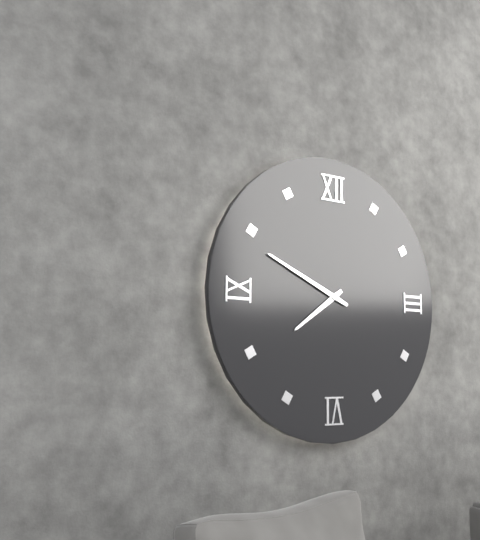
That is 7:49
